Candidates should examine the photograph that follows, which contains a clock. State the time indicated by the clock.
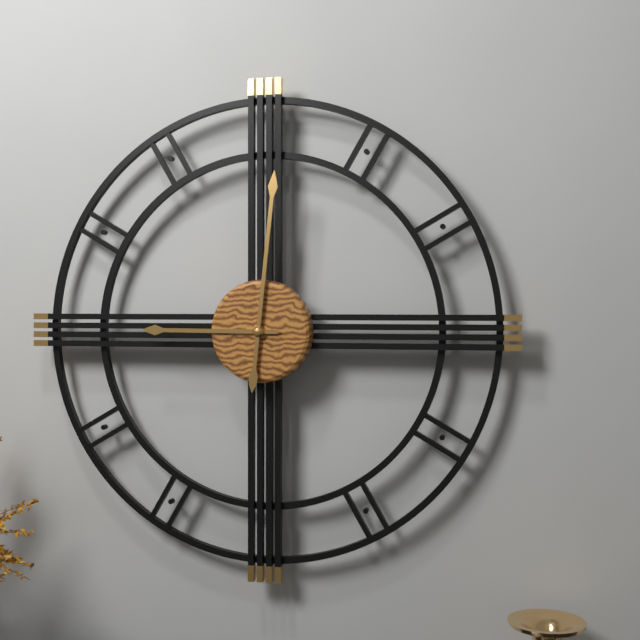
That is 9:01
